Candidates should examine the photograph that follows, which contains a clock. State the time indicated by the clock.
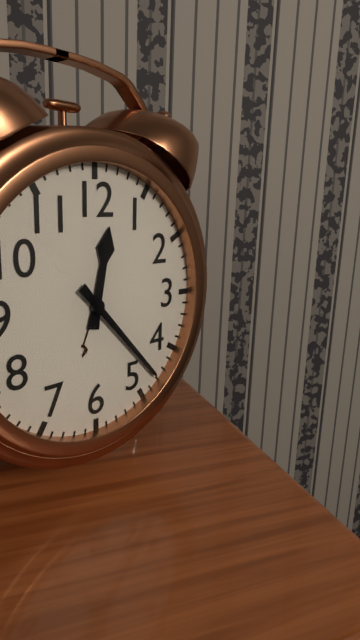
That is 12:23
